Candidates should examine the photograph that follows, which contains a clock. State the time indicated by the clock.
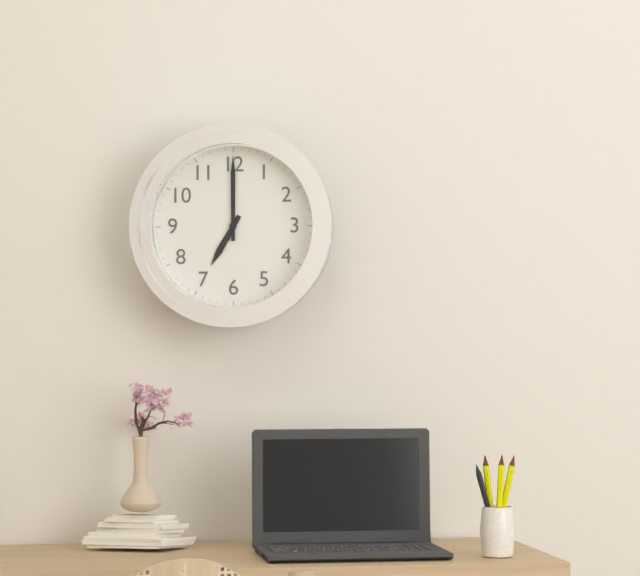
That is 7:00
